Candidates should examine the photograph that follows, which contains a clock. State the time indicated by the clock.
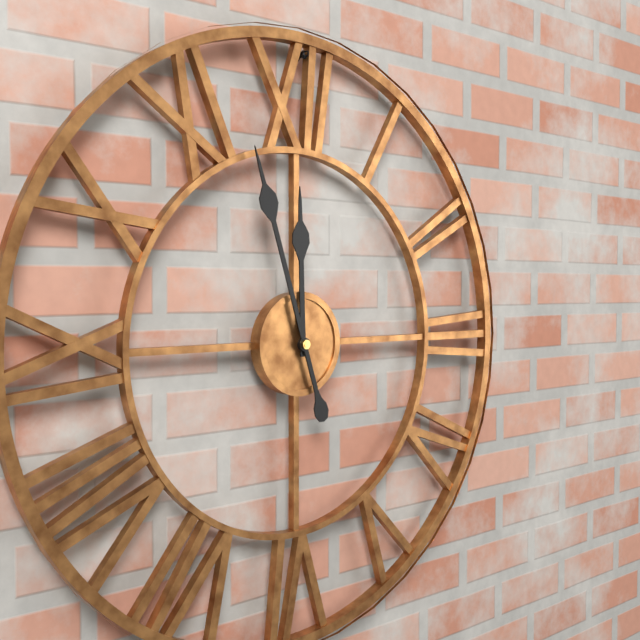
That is 11:57
